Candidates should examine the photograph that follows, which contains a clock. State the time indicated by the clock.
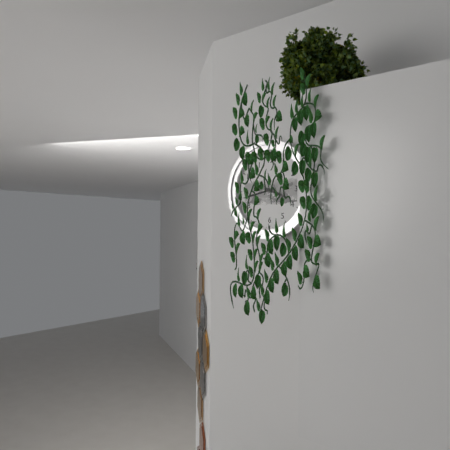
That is 3:43
